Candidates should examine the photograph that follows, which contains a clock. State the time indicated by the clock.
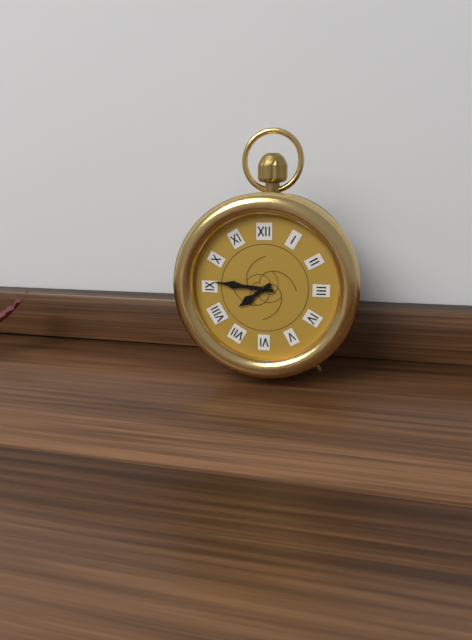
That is 7:46
